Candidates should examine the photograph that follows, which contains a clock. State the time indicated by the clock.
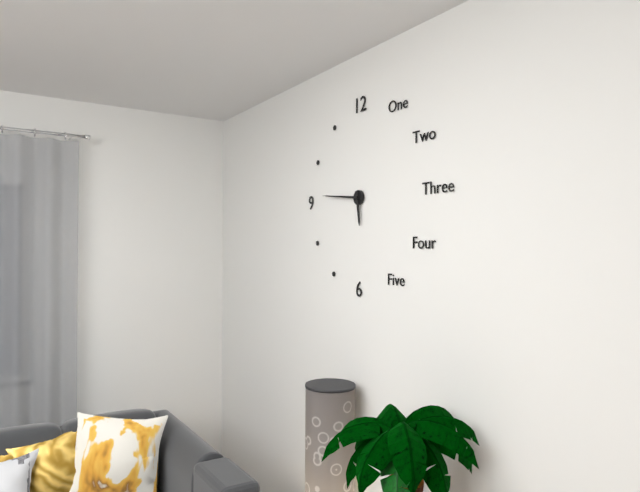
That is 5:46
